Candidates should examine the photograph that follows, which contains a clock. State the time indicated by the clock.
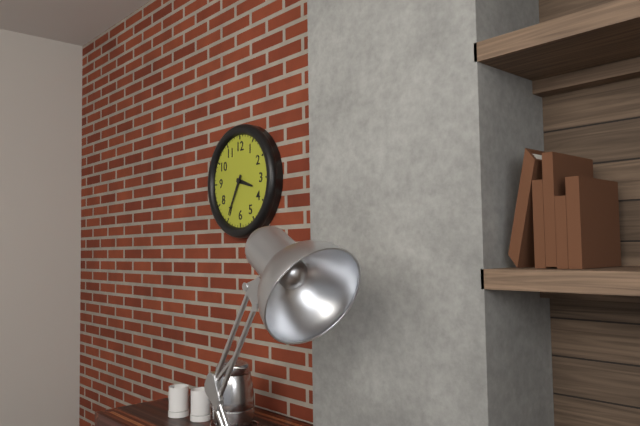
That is 3:35
